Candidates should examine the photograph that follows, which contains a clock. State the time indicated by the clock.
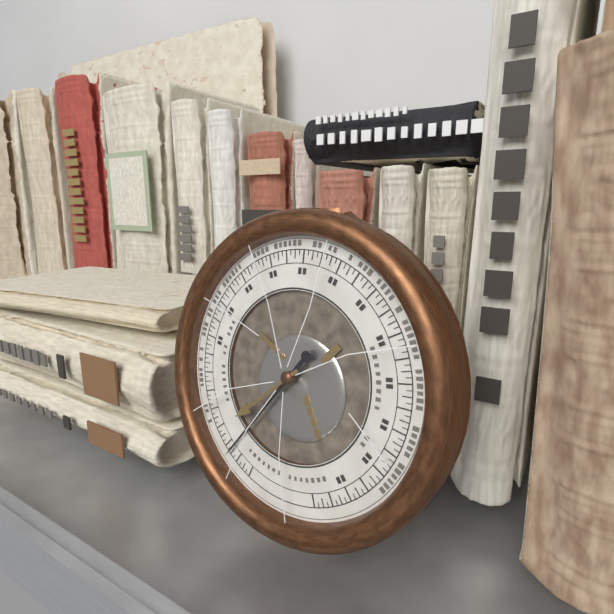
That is 7:36
